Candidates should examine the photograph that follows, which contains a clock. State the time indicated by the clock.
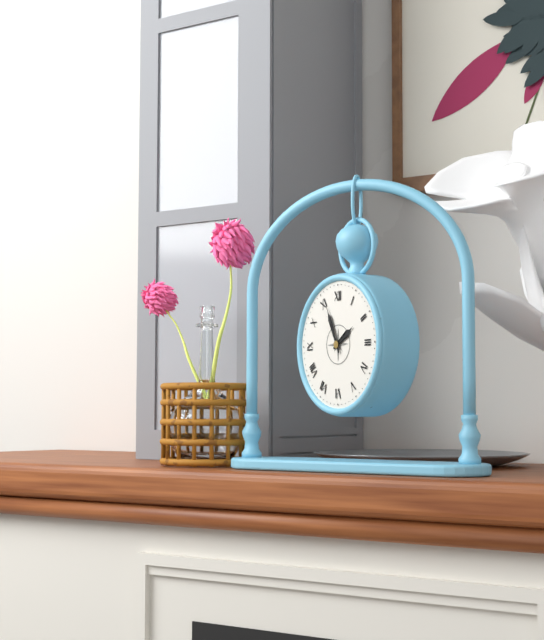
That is 1:56
